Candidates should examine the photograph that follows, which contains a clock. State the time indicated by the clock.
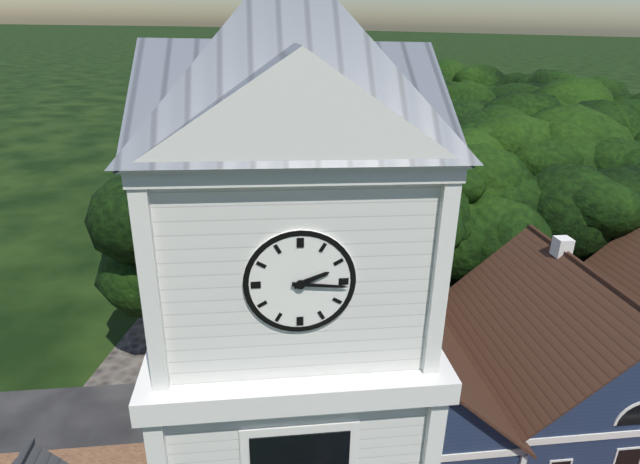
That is 2:16
